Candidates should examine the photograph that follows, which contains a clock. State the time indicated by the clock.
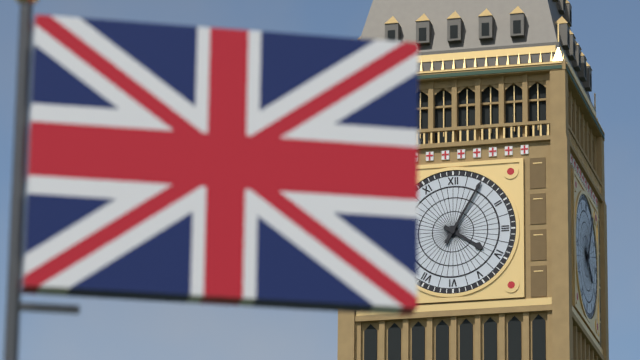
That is 4:05
